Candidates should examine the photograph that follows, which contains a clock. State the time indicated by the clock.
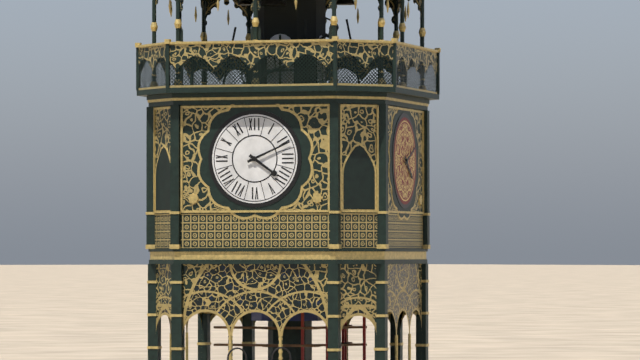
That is 4:11
